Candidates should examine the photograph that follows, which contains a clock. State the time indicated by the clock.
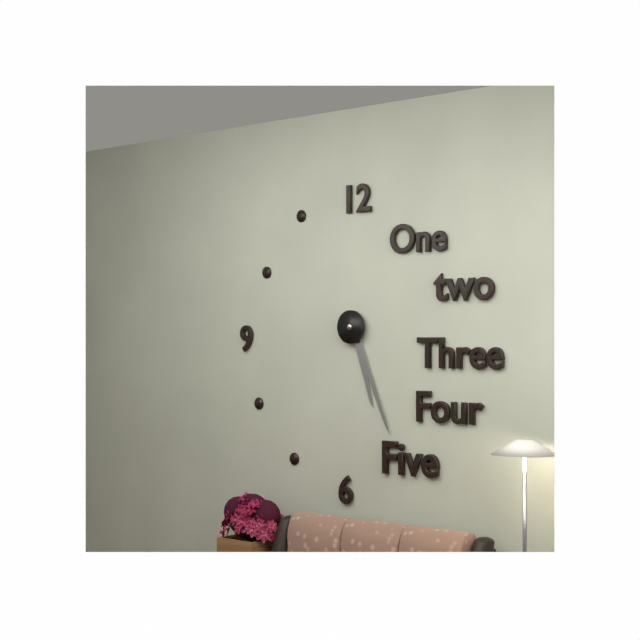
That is 5:26
